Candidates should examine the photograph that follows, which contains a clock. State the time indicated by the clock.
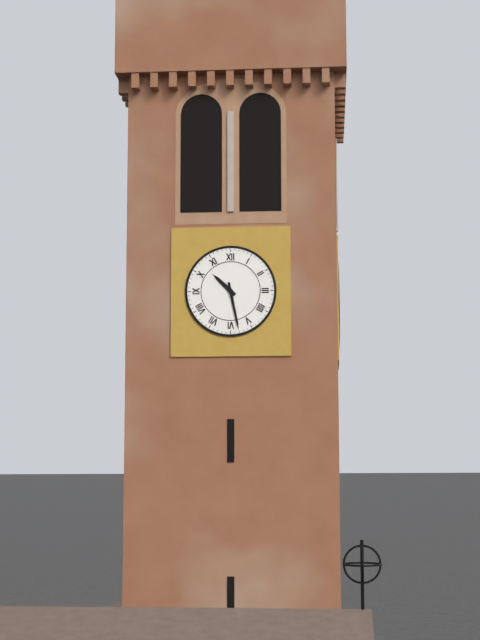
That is 10:28
